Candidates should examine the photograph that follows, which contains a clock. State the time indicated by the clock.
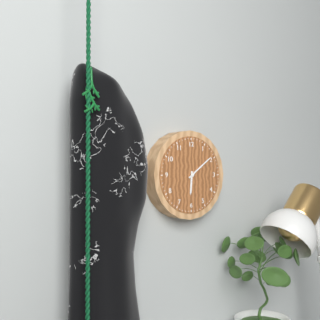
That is 6:09
